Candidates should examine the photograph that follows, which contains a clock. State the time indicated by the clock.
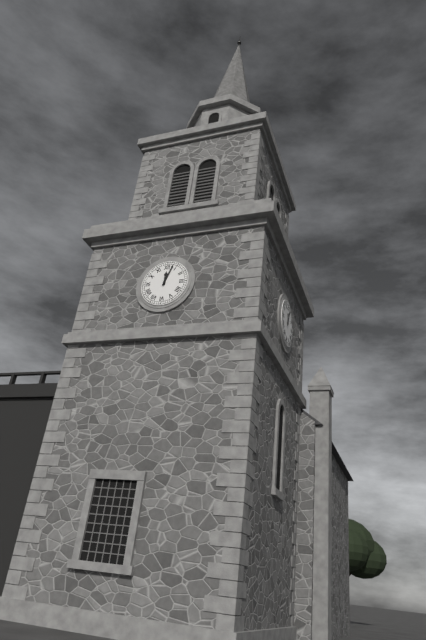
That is 12:03
